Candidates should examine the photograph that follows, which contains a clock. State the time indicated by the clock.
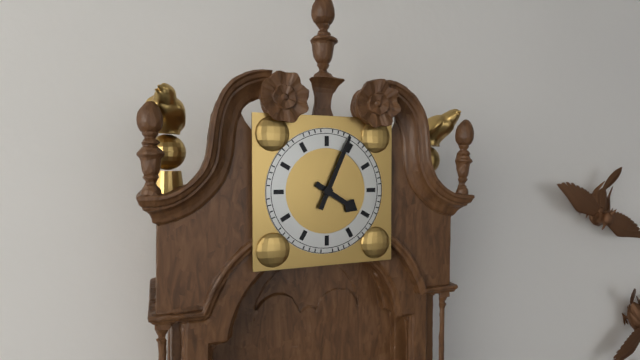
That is 4:04
